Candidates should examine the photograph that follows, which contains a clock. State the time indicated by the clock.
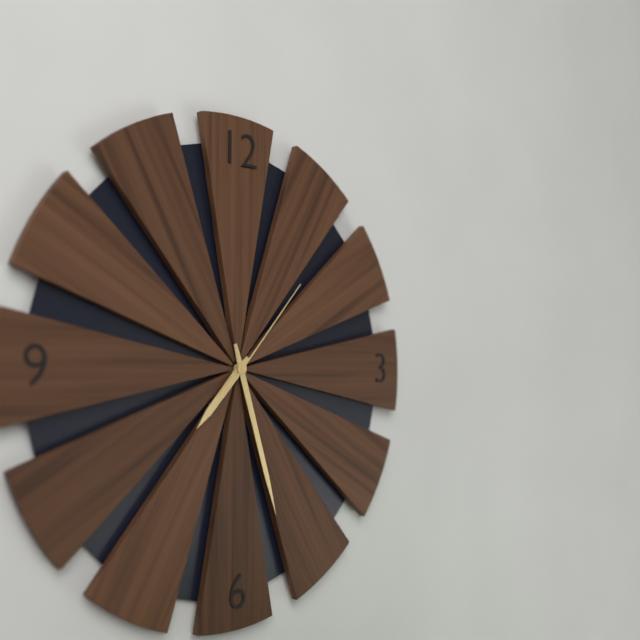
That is 7:27:07
